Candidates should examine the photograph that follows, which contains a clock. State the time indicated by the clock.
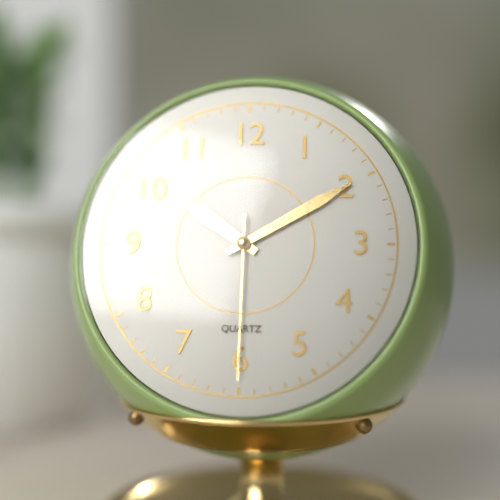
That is 10:10:30
